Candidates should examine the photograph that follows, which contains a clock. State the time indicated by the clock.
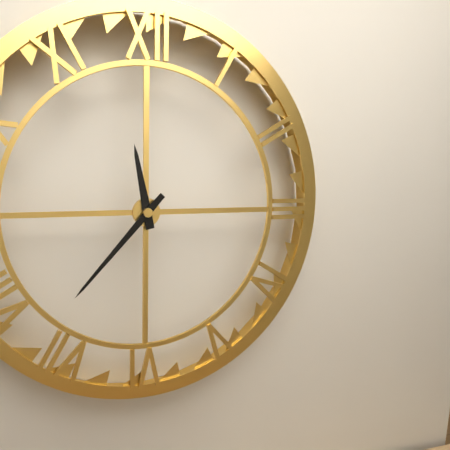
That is 11:37
